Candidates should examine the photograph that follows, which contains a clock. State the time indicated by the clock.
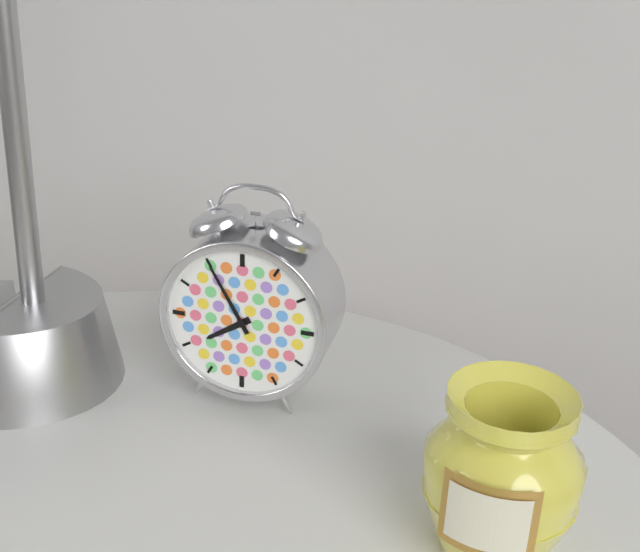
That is 7:55
